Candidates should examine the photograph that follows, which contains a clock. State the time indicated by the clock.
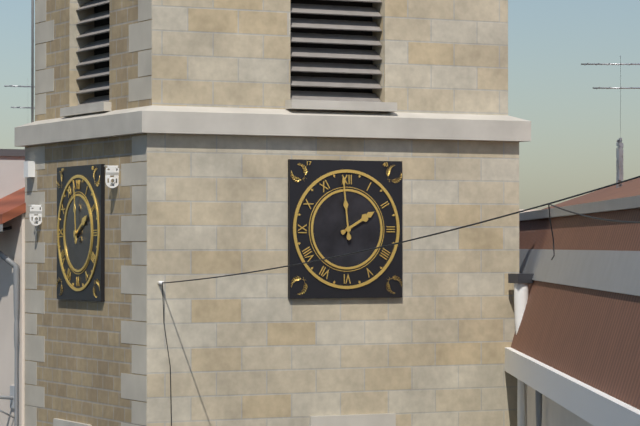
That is 1:59
